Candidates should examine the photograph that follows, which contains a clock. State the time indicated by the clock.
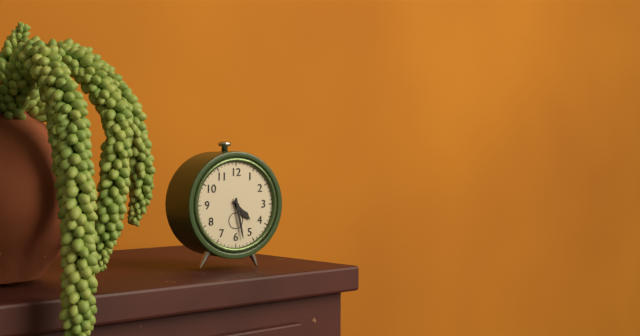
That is 4:28
